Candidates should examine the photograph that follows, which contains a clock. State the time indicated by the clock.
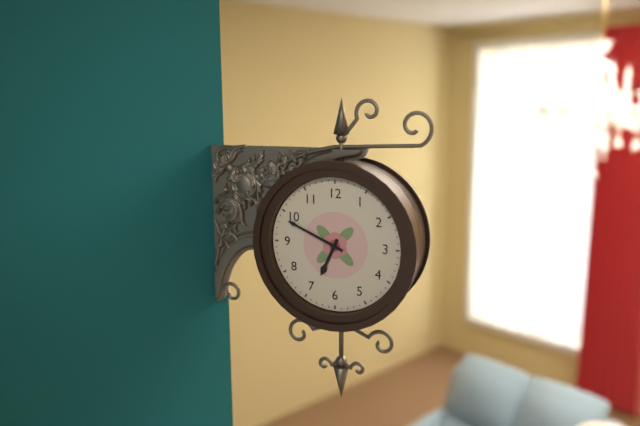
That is 6:49
